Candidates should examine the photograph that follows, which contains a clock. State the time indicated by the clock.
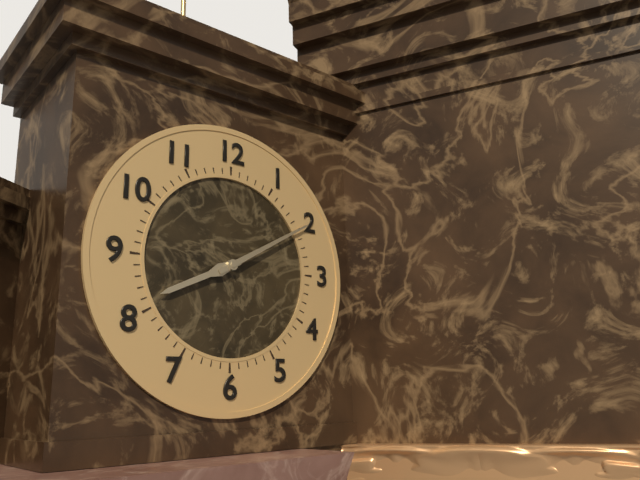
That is 8:10
